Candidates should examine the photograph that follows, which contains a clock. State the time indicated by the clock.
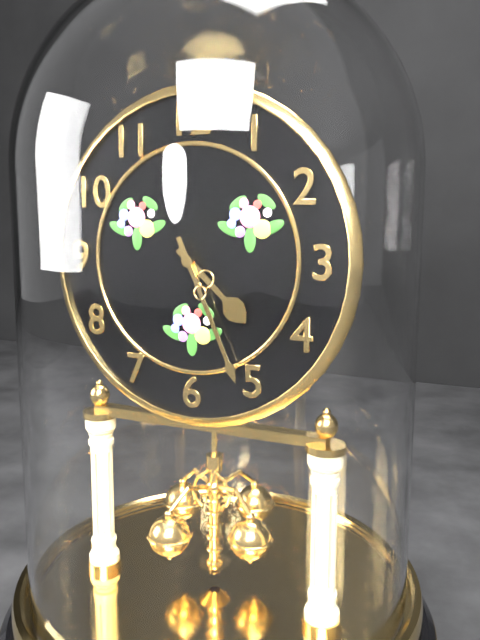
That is 4:26
